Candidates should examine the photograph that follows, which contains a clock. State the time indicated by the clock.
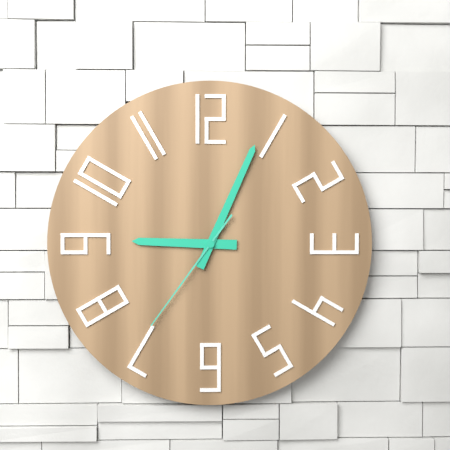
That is 9:04:36
